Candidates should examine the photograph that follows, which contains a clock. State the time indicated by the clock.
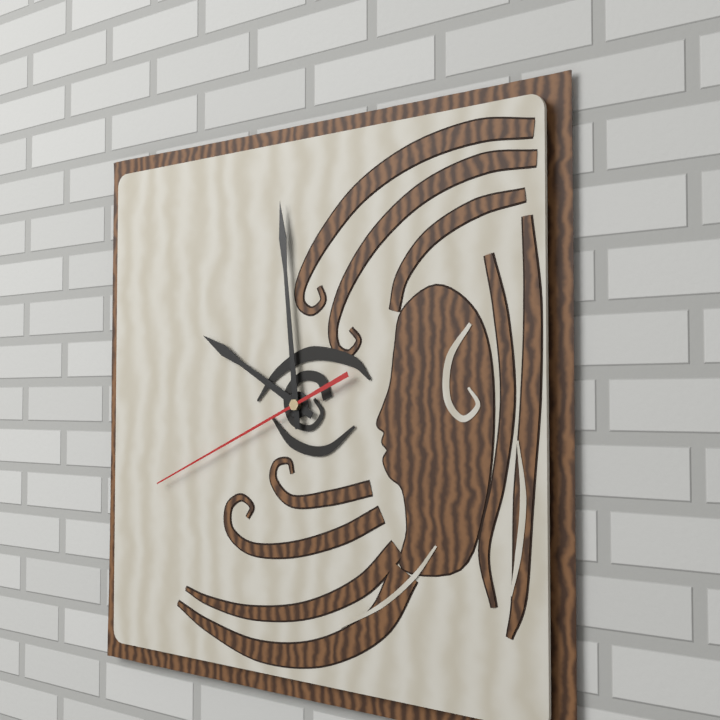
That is 9:59:41
